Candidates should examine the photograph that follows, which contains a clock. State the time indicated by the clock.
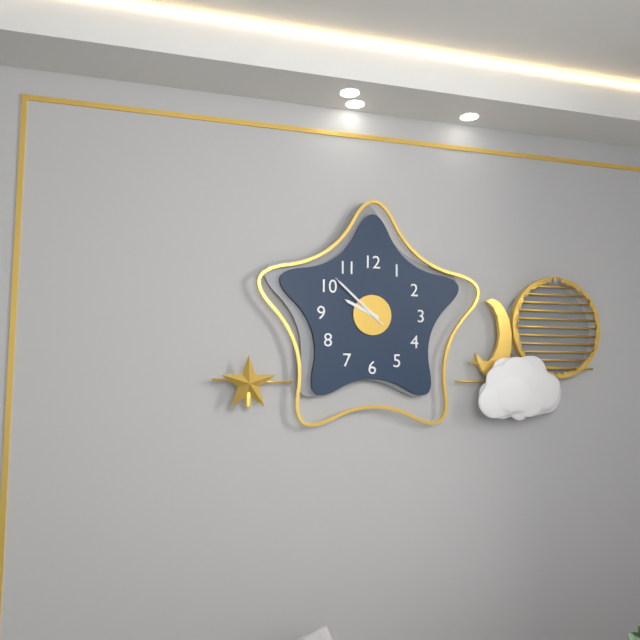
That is 9:52:52
